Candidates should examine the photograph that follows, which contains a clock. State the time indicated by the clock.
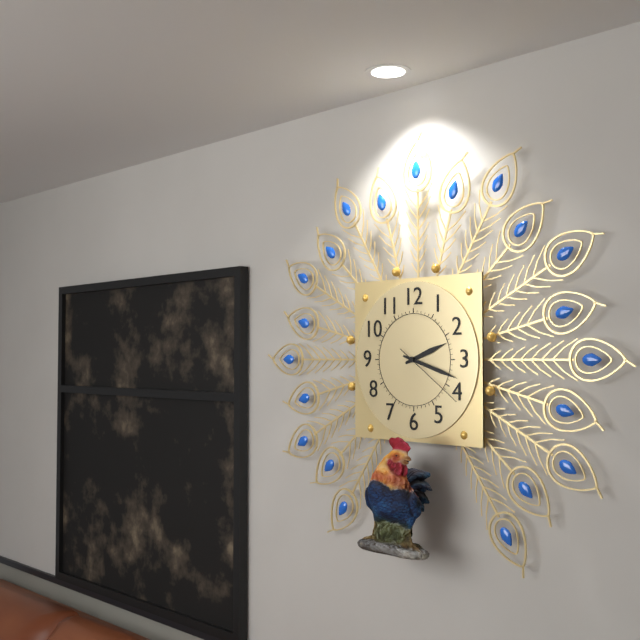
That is 2:18:21
